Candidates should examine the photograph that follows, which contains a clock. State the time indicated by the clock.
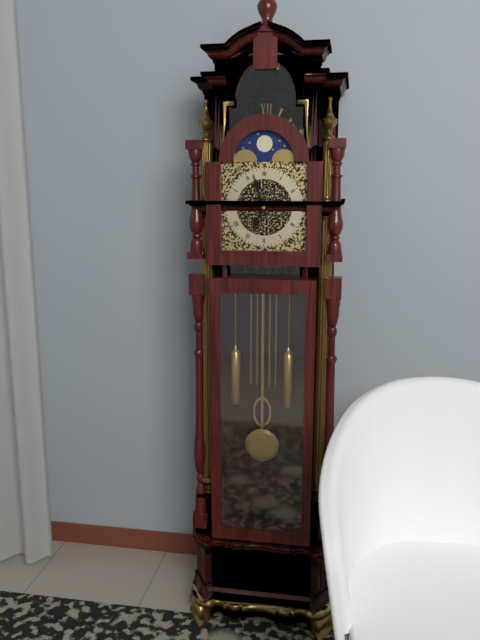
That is 6:57
